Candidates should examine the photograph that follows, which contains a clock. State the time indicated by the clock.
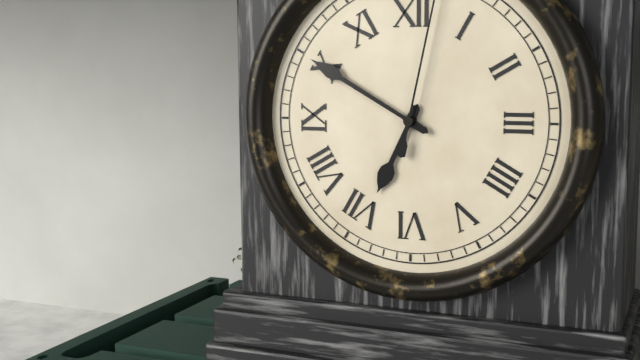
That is 6:50
